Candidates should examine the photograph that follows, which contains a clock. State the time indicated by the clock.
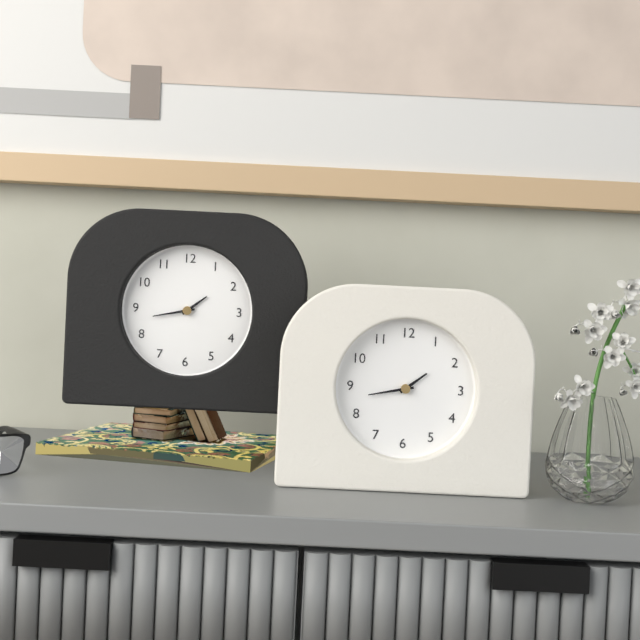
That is 1:43
